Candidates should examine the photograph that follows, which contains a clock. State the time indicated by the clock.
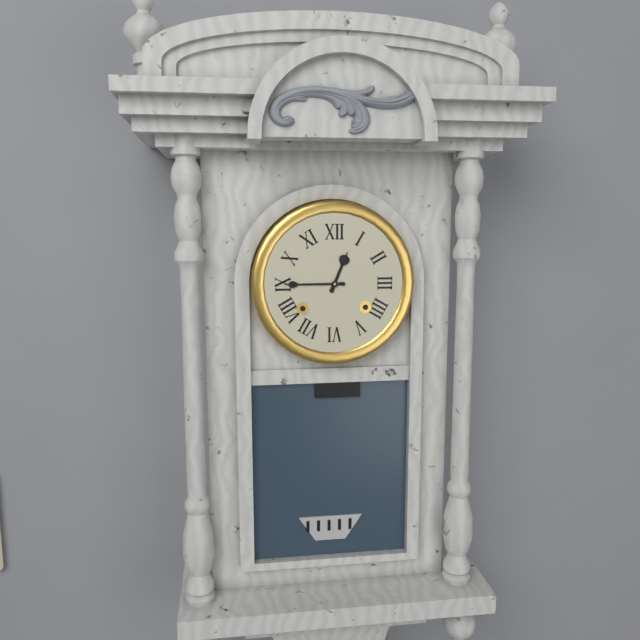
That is 12:45
